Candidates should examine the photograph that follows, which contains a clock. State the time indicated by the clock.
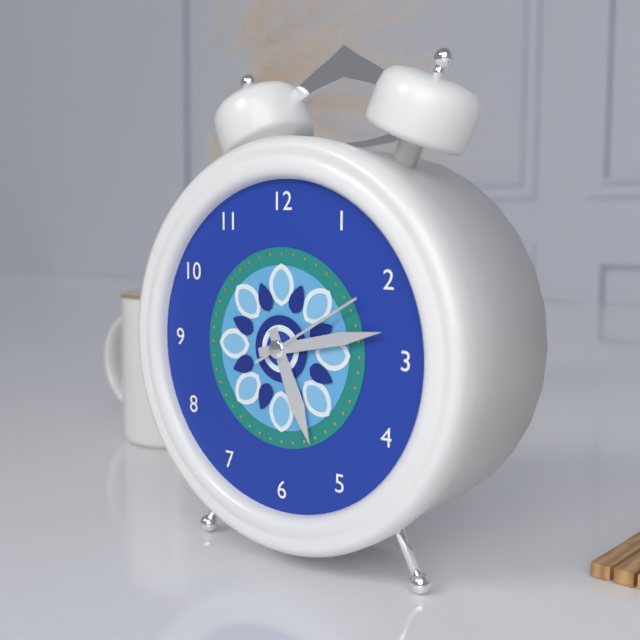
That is 5:13:10
